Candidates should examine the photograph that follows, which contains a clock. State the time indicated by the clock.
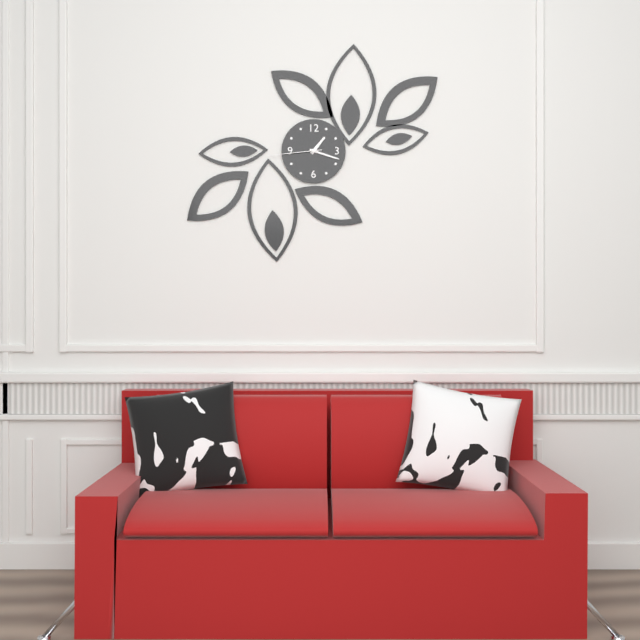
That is 1:18:44
